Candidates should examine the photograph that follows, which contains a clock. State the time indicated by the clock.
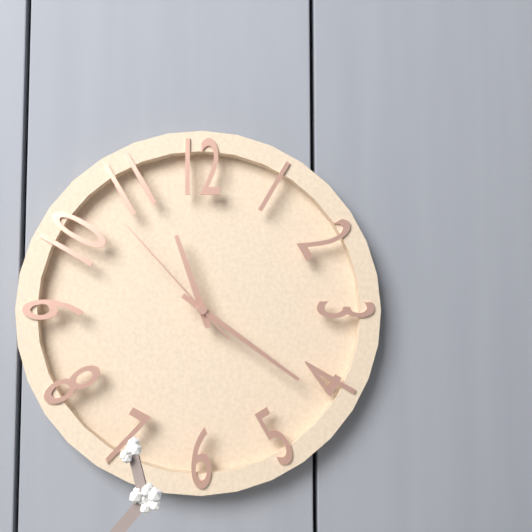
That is 11:21:53
